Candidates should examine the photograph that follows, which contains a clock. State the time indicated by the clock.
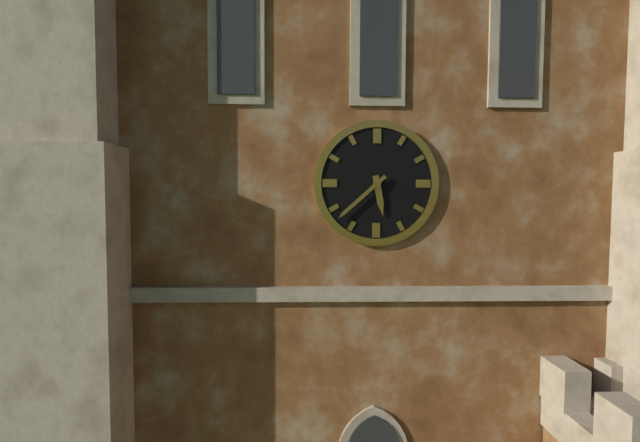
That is 5:38
